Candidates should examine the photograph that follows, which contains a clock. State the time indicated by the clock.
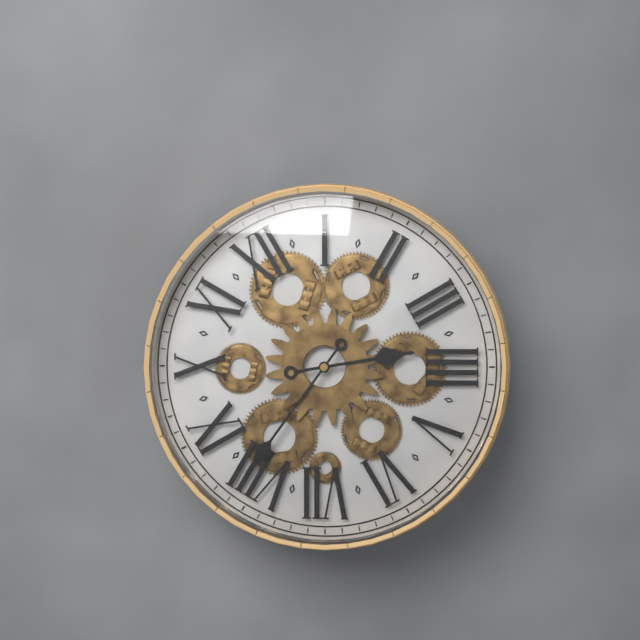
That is 3:41
